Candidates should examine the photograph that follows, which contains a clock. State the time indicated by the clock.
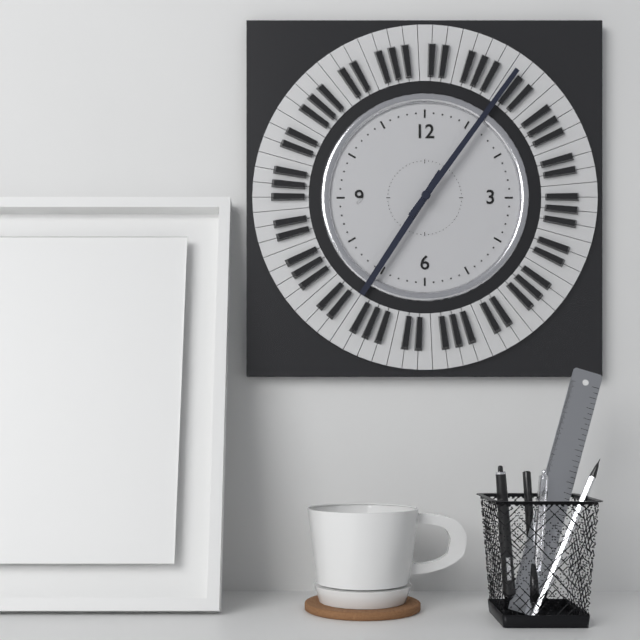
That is 7:06
